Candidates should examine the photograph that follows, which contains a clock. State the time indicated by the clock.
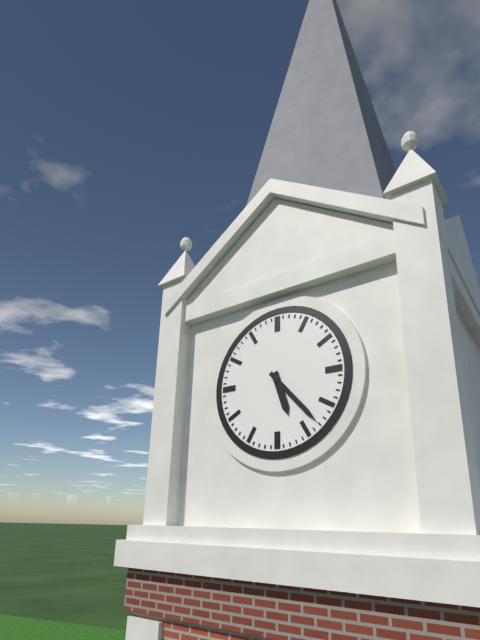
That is 5:23
